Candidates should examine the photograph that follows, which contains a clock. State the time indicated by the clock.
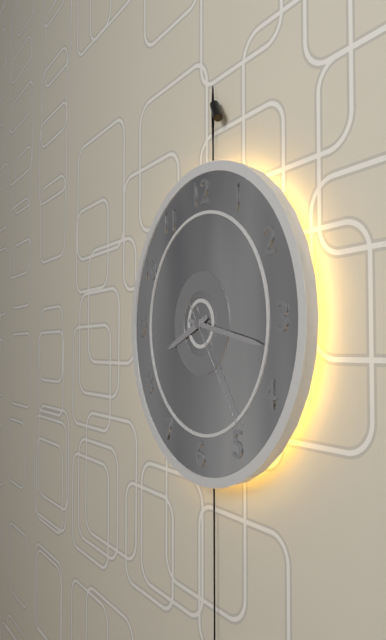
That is 8:17:24
